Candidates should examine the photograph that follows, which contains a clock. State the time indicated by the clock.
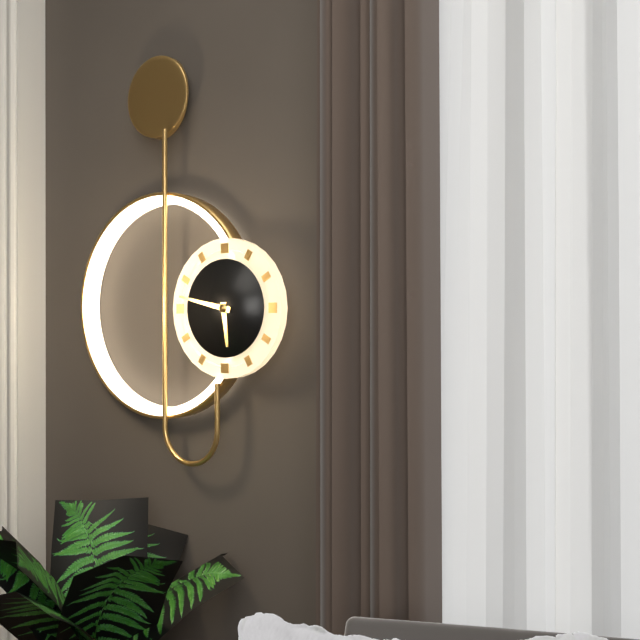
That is 5:47
